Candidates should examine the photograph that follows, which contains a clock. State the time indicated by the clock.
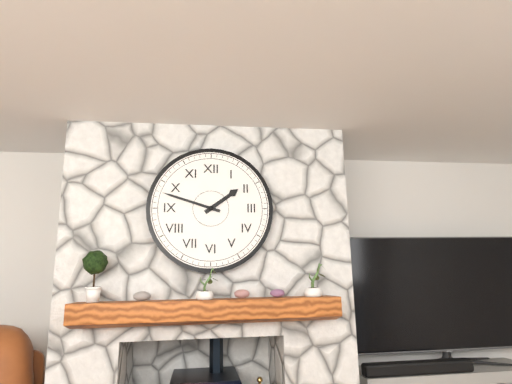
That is 1:48
